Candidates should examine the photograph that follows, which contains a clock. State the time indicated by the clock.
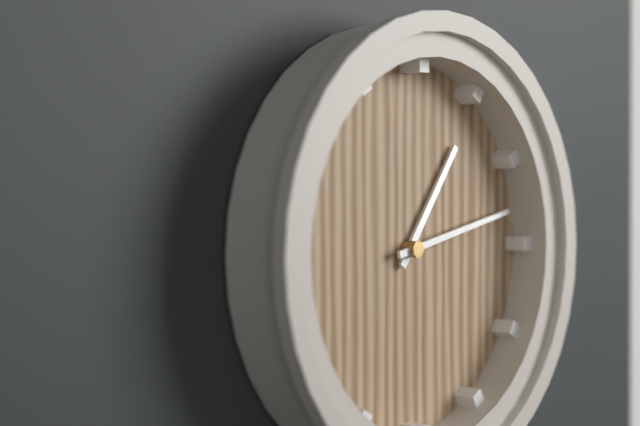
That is 1:13
